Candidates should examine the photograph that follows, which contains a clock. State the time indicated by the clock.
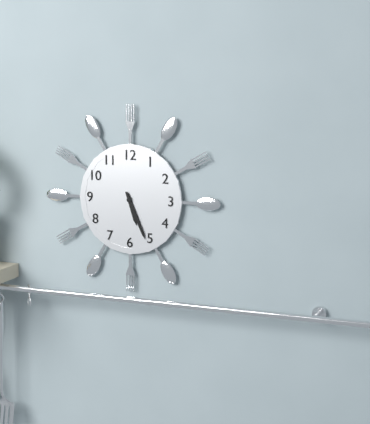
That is 5:26
